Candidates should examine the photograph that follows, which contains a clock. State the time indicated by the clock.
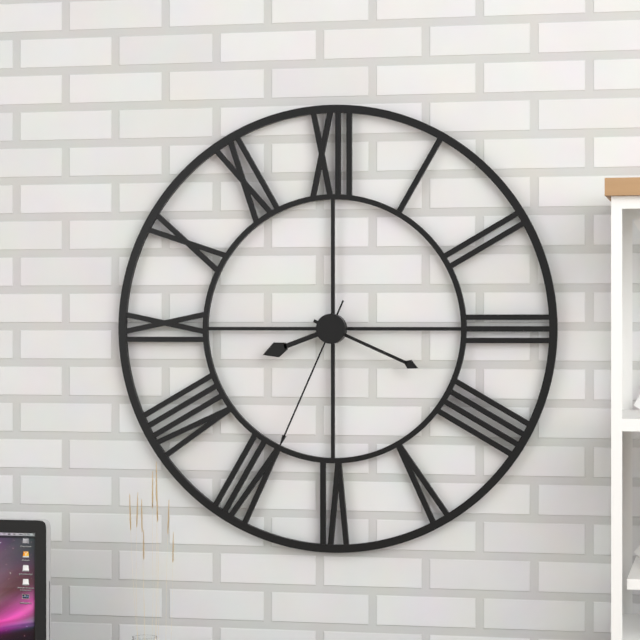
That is 8:19:34
